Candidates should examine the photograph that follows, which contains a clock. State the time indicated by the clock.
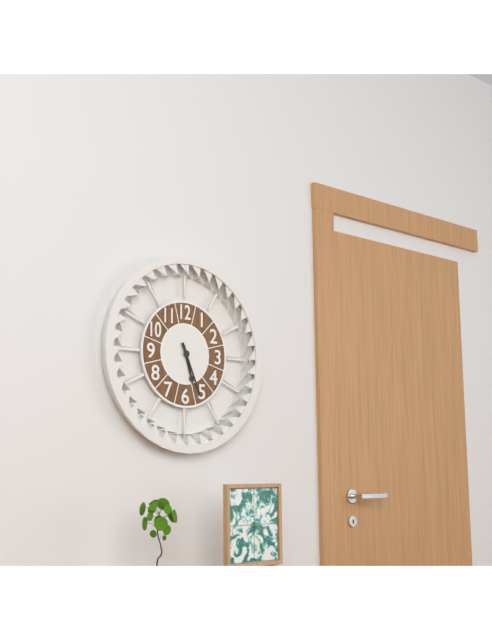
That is 5:26
